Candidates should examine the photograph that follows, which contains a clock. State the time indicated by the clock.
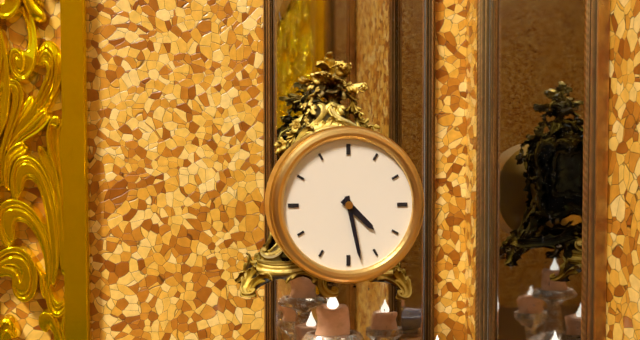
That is 4:28
